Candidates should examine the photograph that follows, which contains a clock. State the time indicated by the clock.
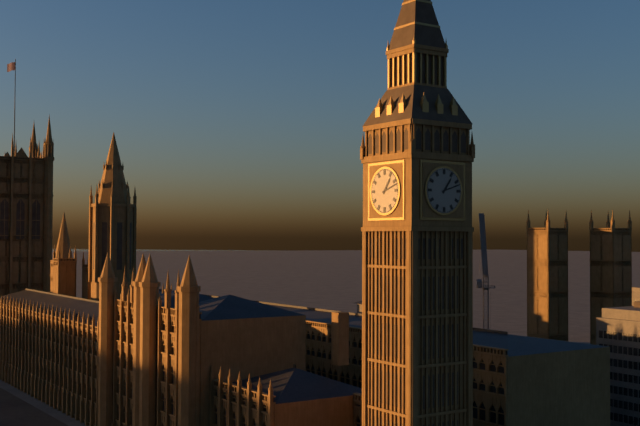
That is 1:12
